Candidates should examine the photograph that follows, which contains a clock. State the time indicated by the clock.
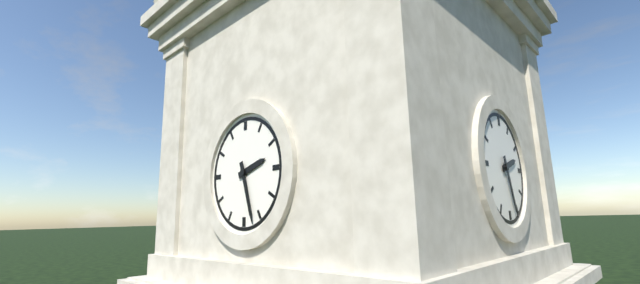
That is 2:27
